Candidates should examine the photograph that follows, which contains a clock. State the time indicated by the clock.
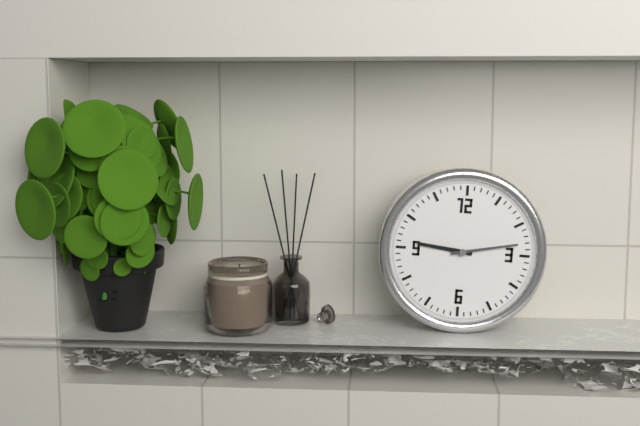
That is 9:13
